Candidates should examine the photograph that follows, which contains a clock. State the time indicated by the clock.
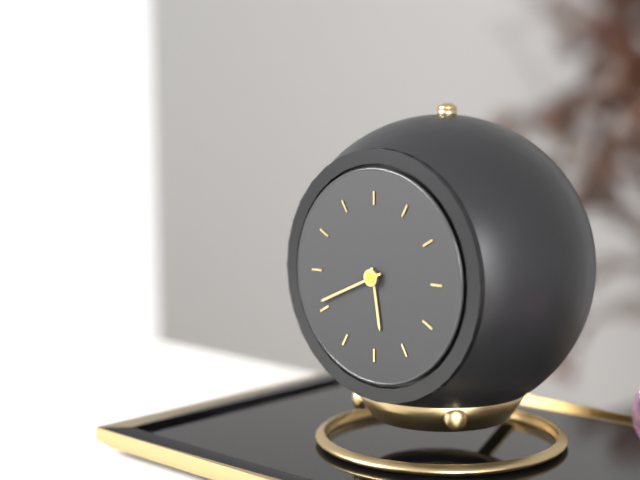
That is 5:41
